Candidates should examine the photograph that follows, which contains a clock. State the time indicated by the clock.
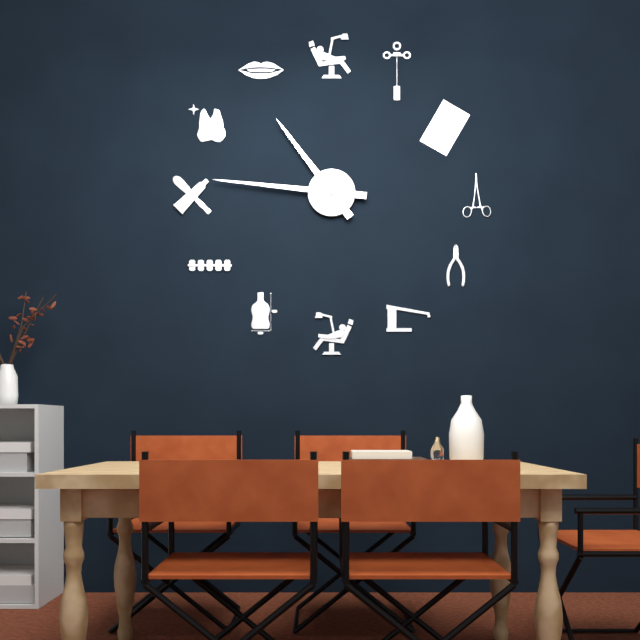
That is 10:46
